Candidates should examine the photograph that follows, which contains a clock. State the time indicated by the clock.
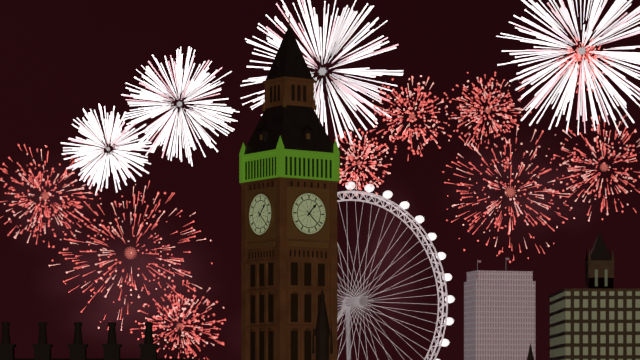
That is 1:22
